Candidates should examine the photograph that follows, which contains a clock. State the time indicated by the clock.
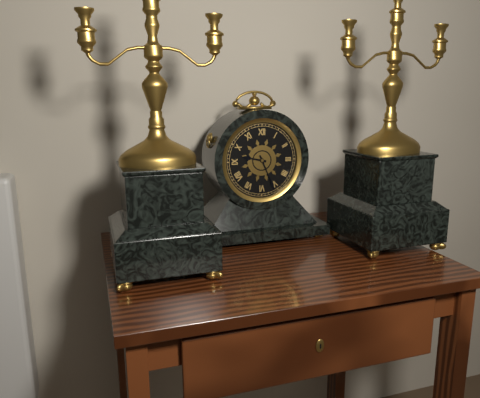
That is 9:26
